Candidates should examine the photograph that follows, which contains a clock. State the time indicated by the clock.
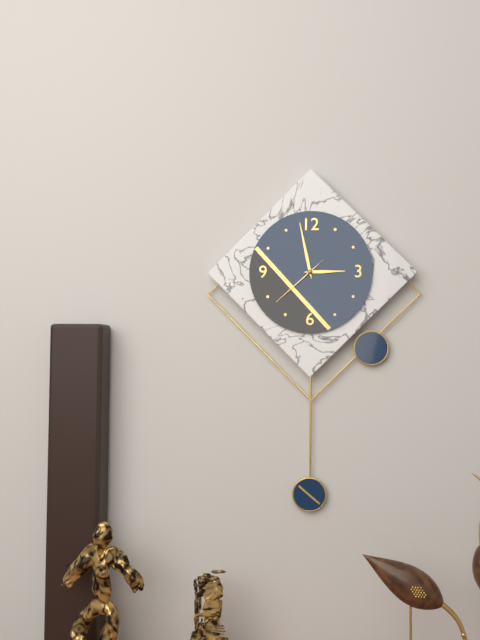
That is 2:58:38
